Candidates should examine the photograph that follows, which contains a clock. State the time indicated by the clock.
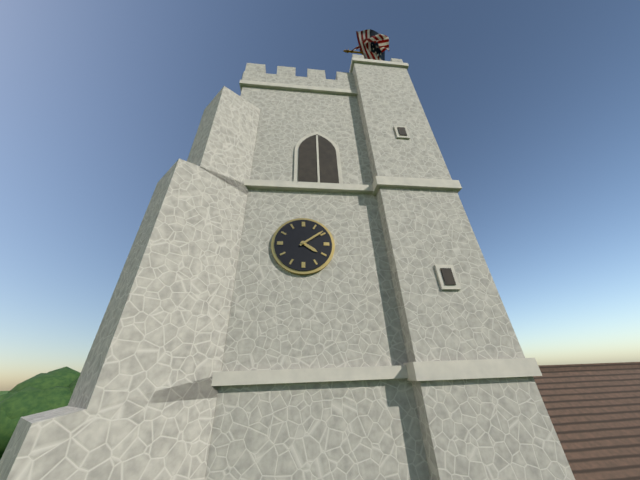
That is 4:09
